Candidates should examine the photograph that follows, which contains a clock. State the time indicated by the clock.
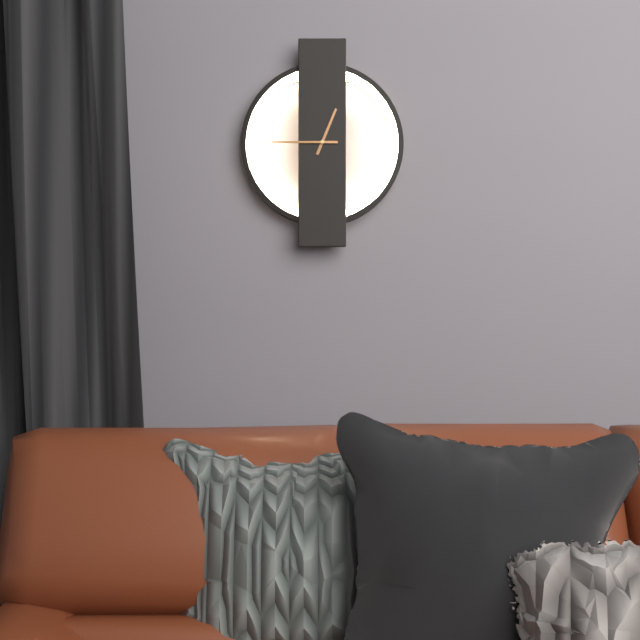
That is 12:45
